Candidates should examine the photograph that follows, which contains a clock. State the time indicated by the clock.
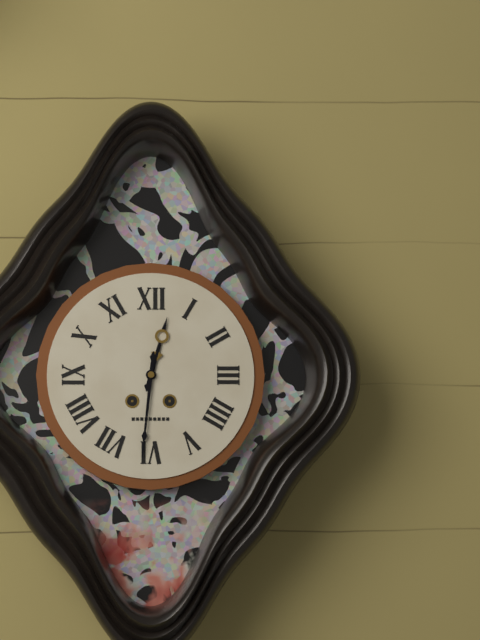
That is 12:31
